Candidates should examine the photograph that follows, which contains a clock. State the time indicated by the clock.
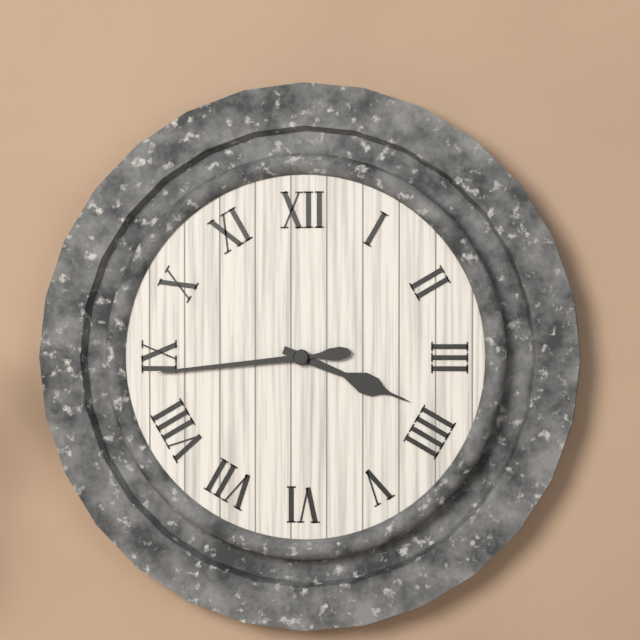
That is 3:44
